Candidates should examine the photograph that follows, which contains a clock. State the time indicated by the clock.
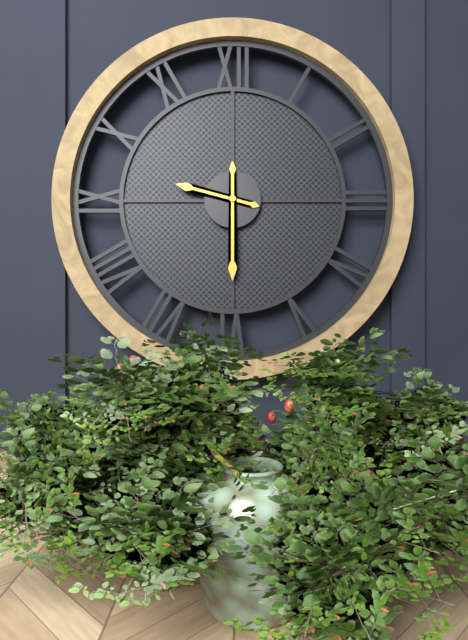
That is 9:30
